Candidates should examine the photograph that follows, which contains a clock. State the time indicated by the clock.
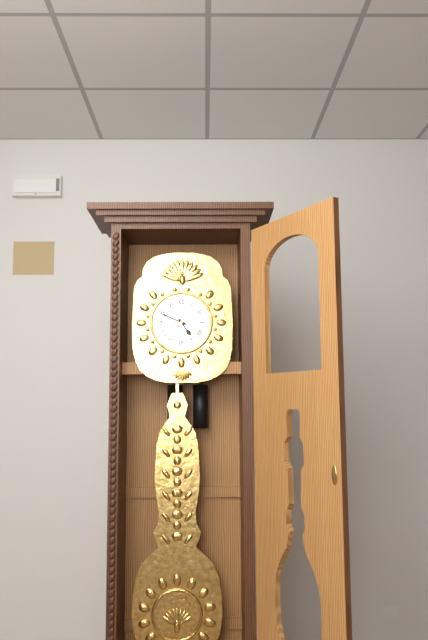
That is 4:49
